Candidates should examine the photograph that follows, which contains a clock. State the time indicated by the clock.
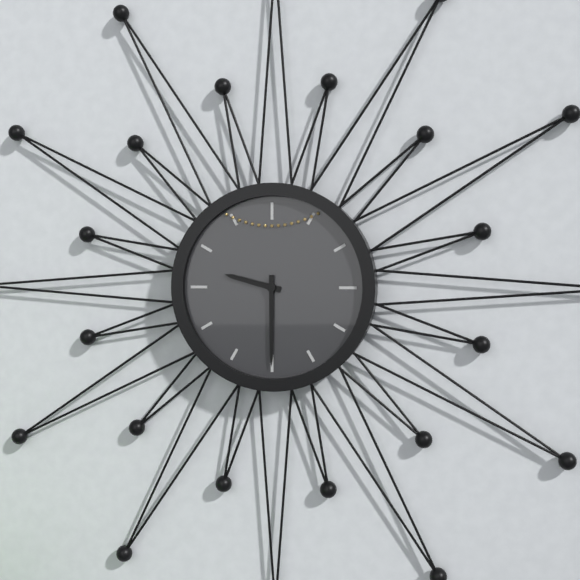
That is 9:30
